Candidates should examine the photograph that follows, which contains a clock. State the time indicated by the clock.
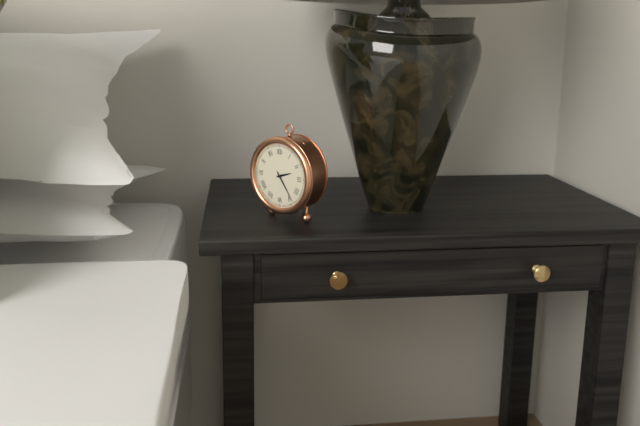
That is 2:24
